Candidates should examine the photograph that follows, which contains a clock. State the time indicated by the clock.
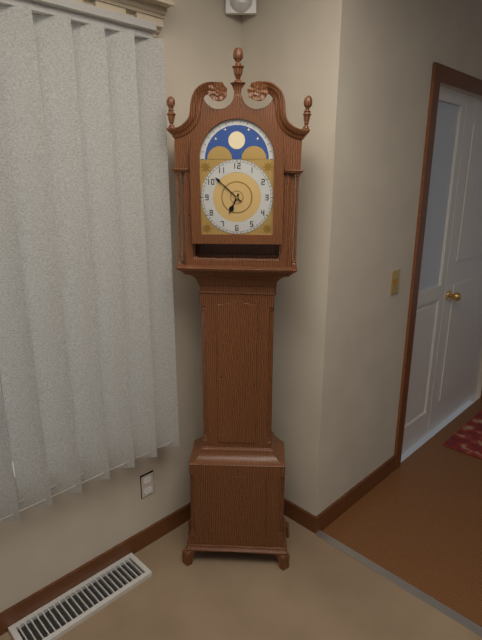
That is 6:52
